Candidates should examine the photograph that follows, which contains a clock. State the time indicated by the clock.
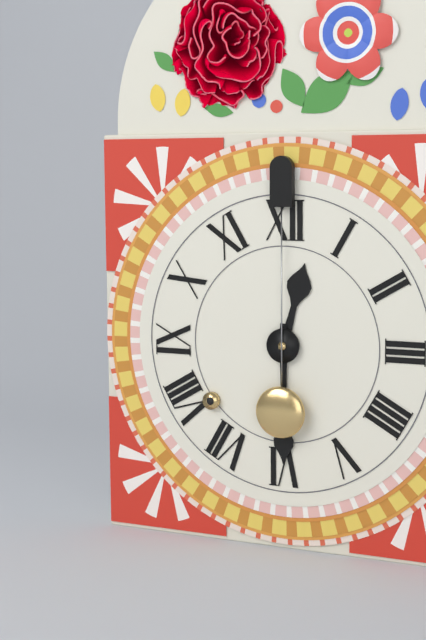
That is 12:30
